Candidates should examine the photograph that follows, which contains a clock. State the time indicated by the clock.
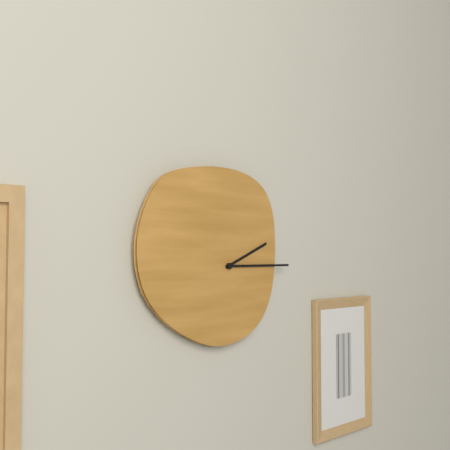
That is 2:15
